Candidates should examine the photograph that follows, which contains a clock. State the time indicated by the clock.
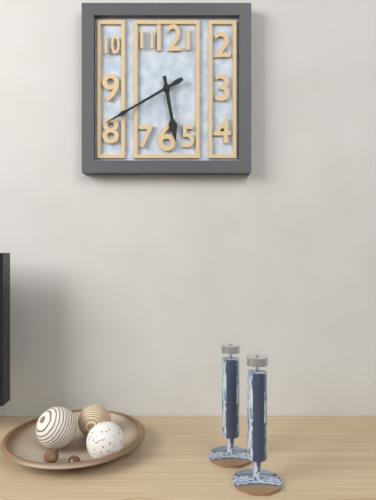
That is 5:40
